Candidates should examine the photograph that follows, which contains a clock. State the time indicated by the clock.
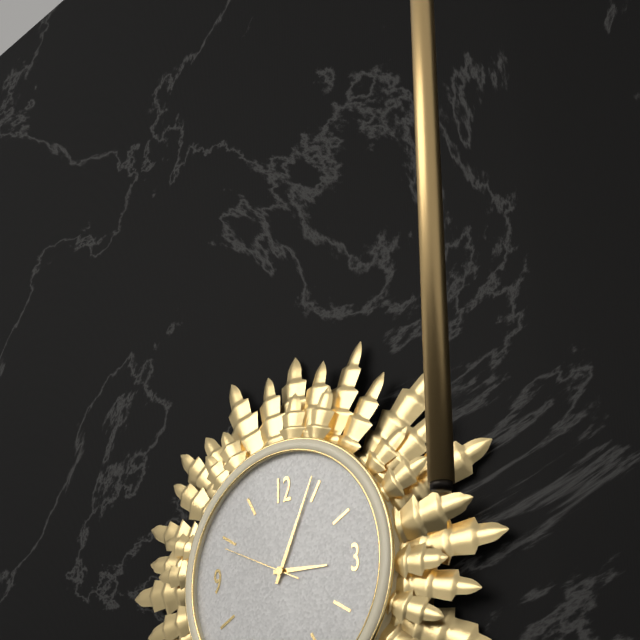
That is 3:04:49
